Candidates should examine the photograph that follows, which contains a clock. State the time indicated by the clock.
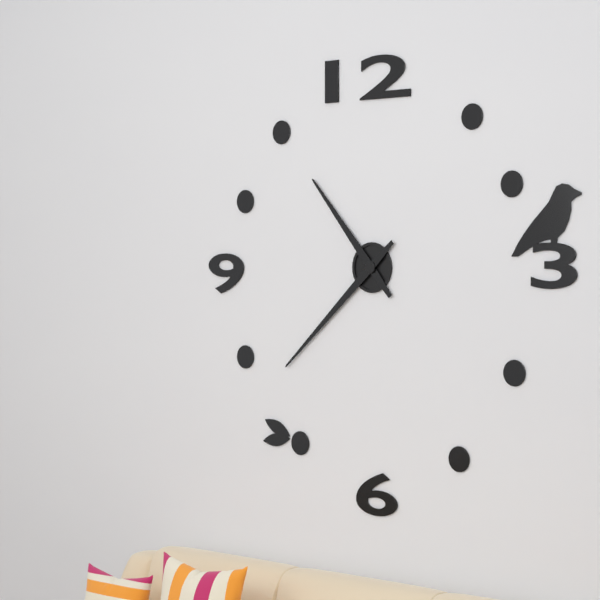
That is 10:38
